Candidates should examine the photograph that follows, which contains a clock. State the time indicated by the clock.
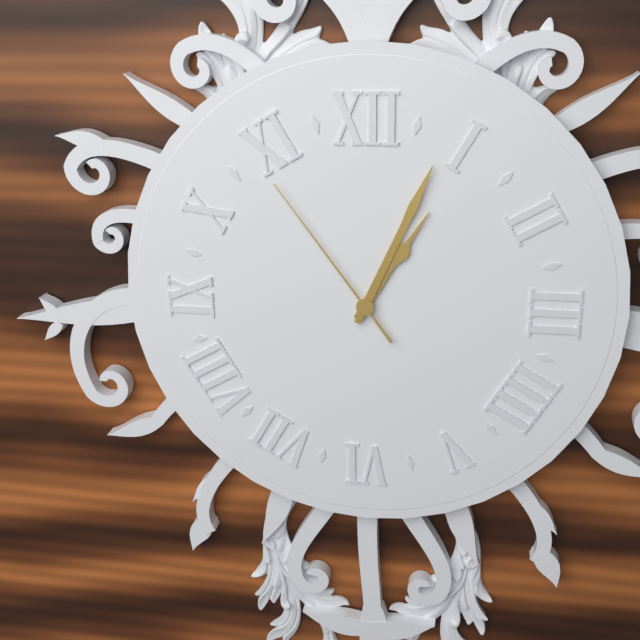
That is 1:04:54
